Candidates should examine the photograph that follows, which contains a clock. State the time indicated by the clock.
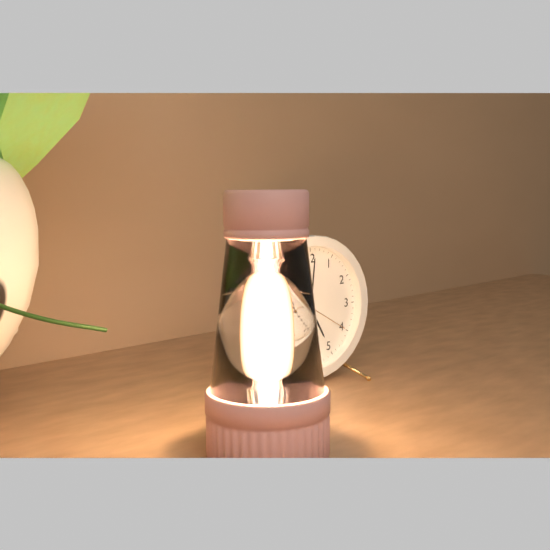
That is 5:01:20
